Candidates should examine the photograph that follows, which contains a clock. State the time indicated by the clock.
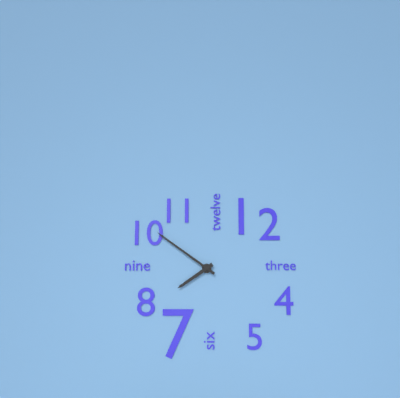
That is 7:51
